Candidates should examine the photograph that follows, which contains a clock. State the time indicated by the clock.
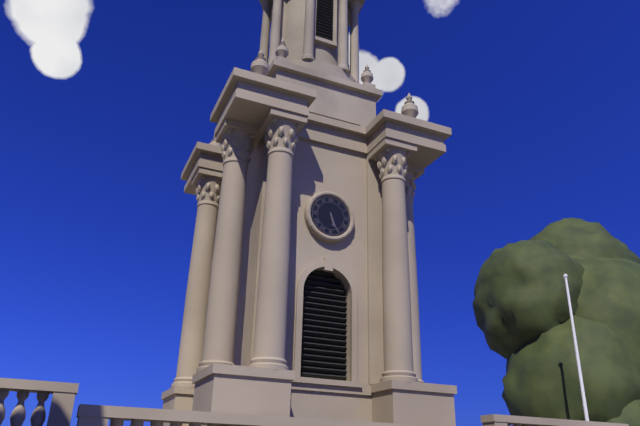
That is 5:26
